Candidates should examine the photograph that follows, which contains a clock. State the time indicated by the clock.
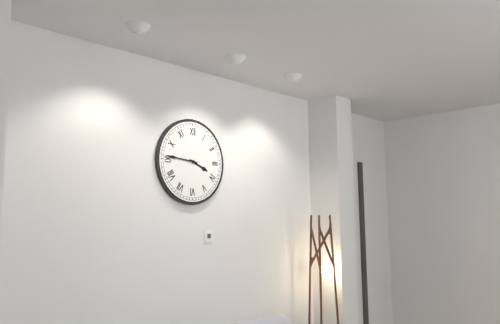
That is 3:46
